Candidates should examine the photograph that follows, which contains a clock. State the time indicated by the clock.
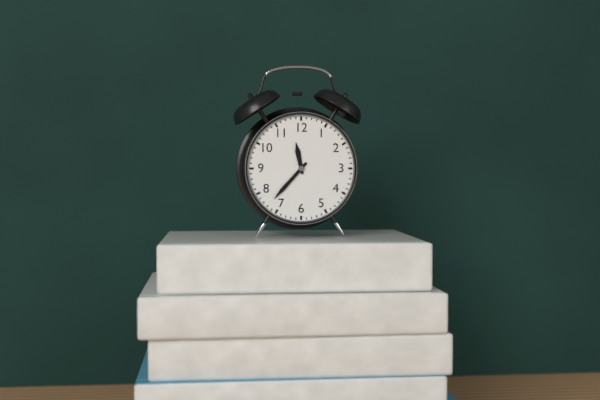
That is 11:37
